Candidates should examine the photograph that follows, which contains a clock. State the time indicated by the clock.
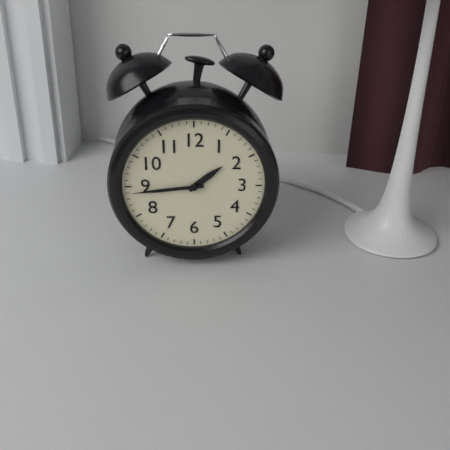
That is 1:44
